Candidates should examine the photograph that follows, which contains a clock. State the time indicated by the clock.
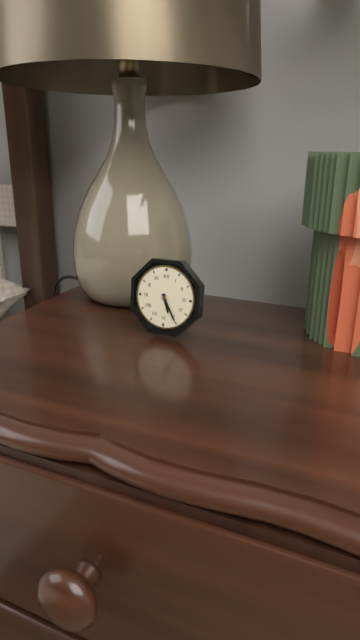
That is 5:25
